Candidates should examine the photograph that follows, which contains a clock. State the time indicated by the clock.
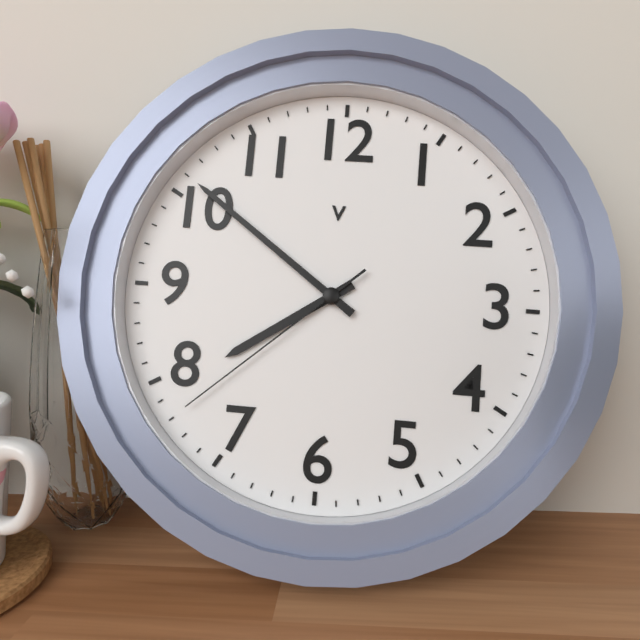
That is 7:51:38
